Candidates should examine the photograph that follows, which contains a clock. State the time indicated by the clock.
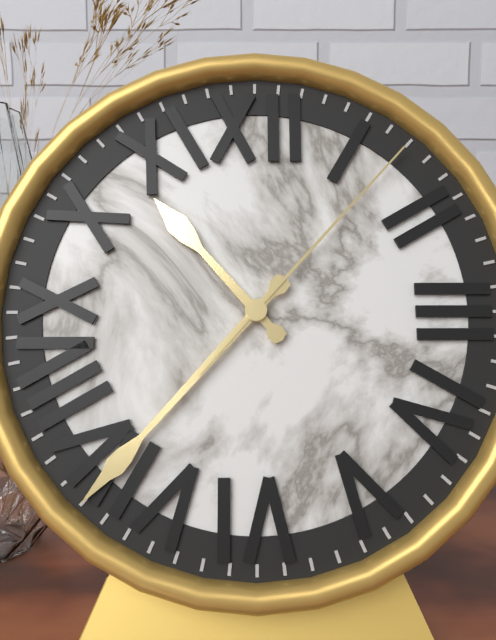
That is 10:37:07
